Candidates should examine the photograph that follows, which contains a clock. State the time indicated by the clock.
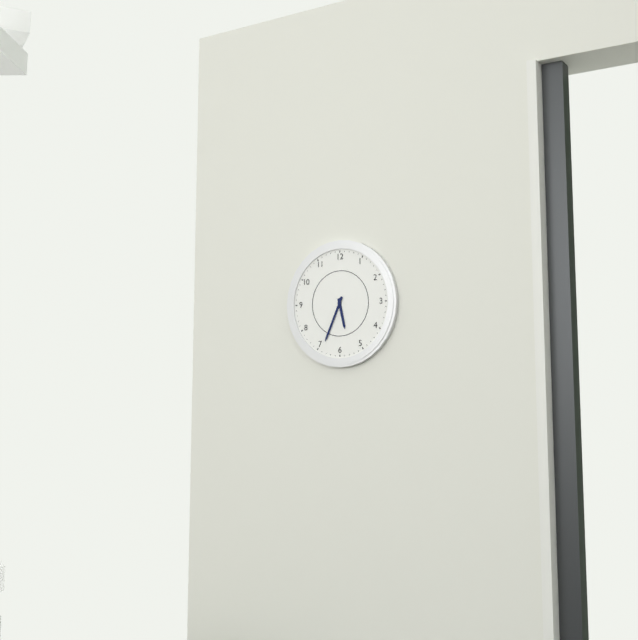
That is 5:34
